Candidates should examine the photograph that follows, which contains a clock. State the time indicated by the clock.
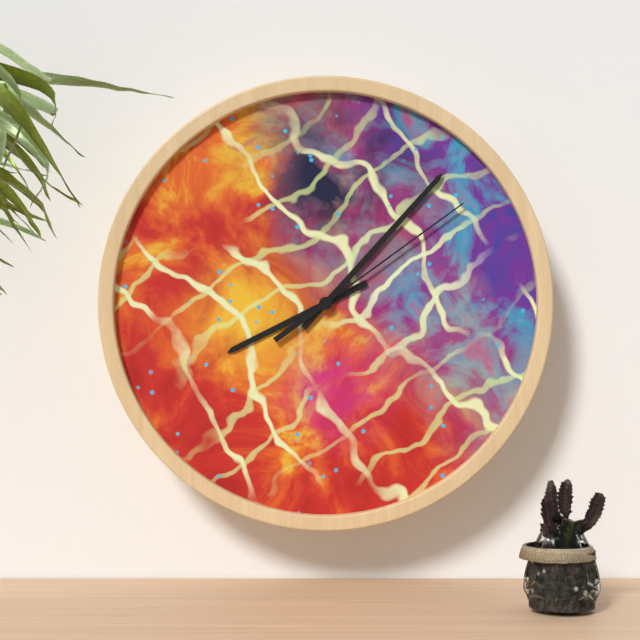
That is 8:07:09
